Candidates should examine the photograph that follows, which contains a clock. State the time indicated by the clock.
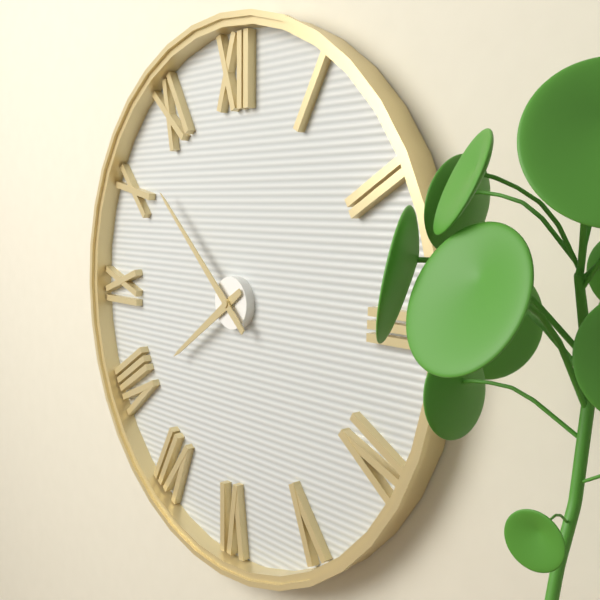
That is 7:52
